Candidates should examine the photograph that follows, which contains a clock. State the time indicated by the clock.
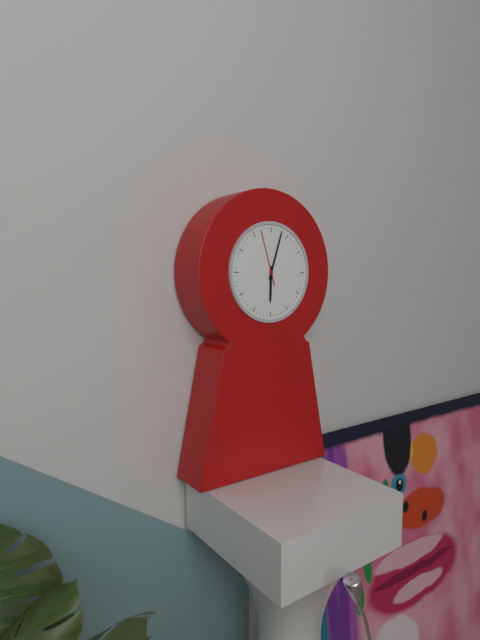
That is 6:03:57
